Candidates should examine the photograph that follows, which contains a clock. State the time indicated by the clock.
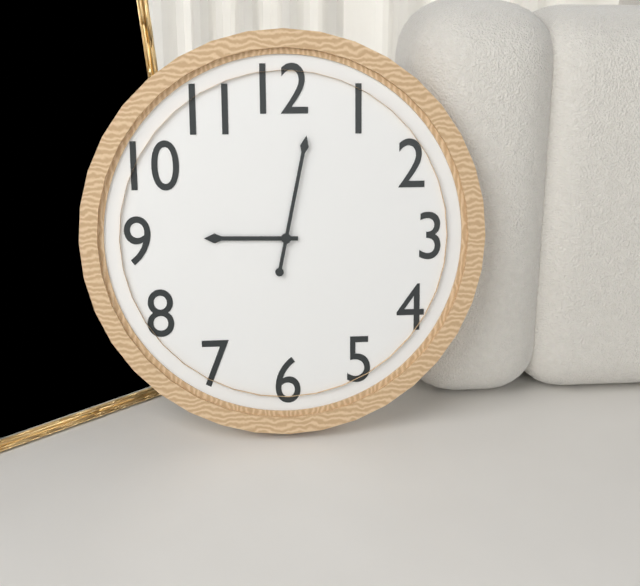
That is 9:02
